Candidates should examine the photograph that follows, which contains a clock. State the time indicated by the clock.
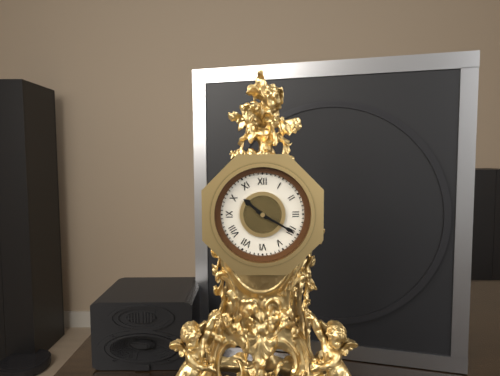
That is 10:20
